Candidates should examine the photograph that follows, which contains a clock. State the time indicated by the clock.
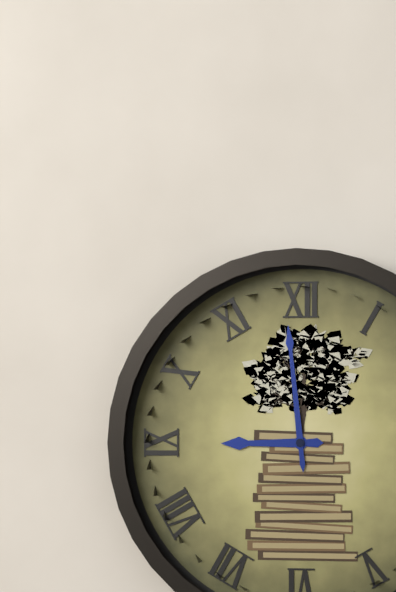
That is 8:59
